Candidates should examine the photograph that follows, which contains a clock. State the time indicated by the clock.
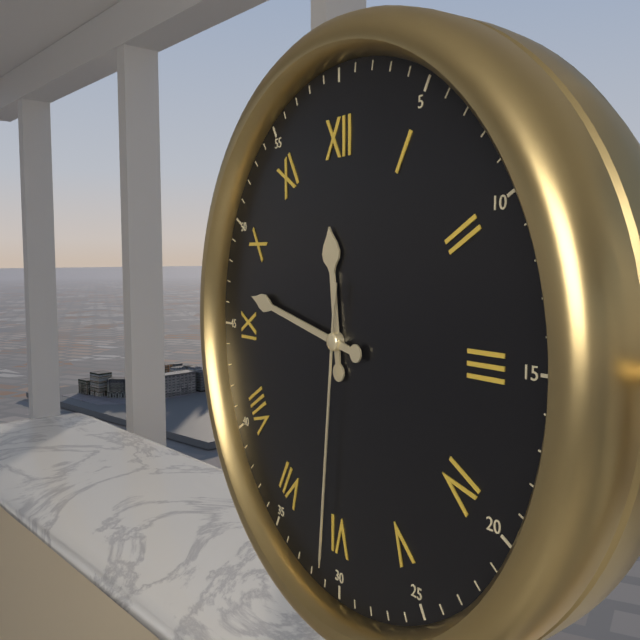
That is 11:47:31
